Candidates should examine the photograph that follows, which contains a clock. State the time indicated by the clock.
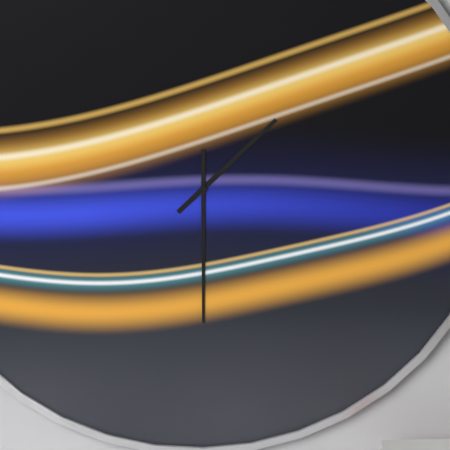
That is 1:30
